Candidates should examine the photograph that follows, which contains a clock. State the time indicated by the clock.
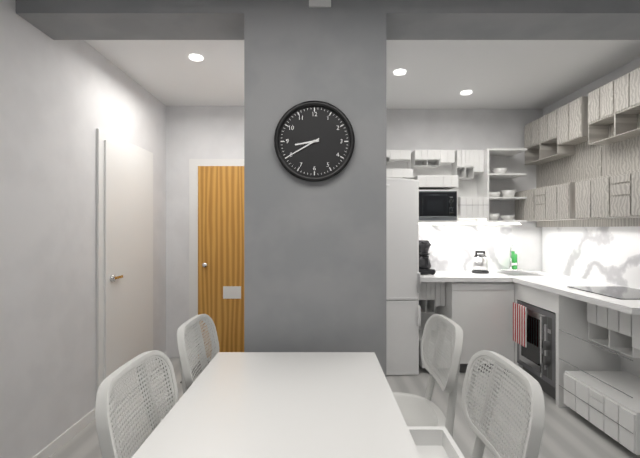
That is 8:40
